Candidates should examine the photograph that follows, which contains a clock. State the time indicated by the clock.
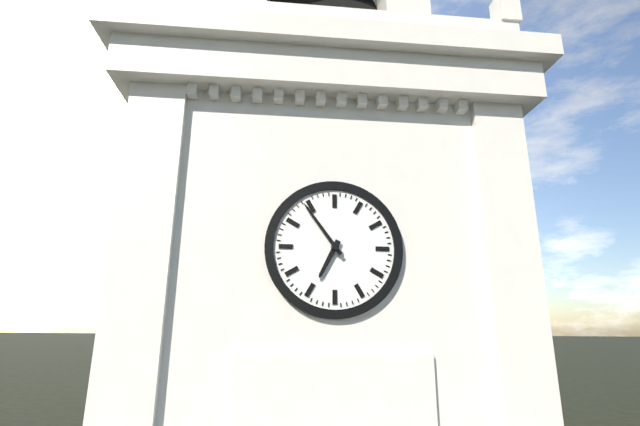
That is 6:54
